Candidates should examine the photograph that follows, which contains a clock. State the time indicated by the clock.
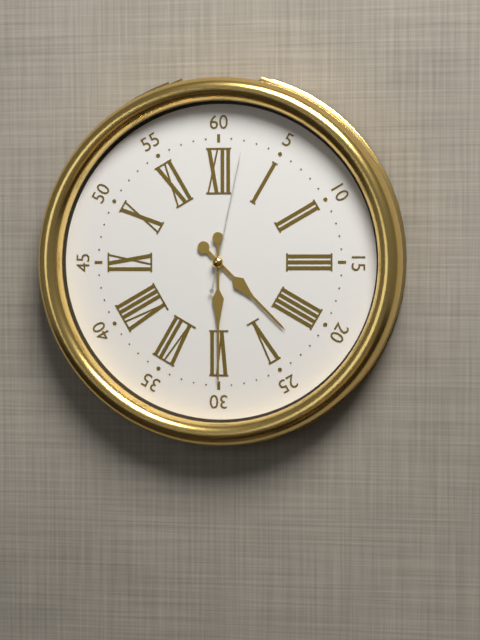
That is 4:30:02
